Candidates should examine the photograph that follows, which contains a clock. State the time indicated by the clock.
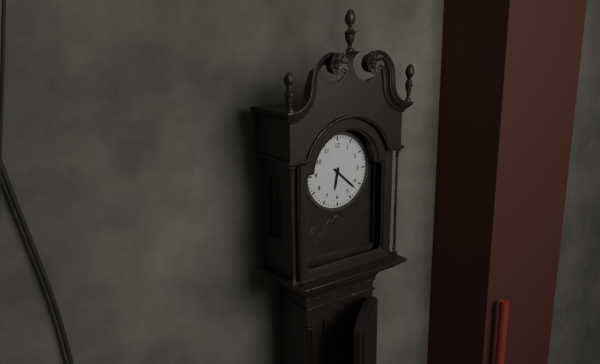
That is 6:22
